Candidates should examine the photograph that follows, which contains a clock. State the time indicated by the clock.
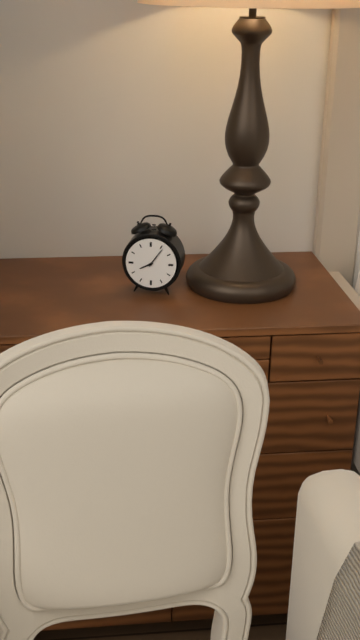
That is 8:06
